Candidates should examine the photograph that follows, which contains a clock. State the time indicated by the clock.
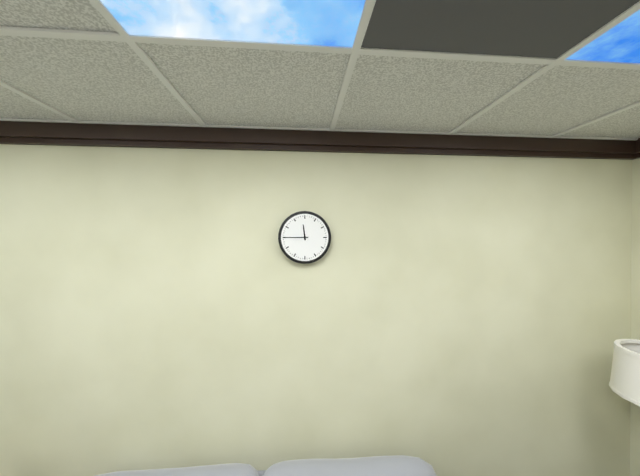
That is 11:45
